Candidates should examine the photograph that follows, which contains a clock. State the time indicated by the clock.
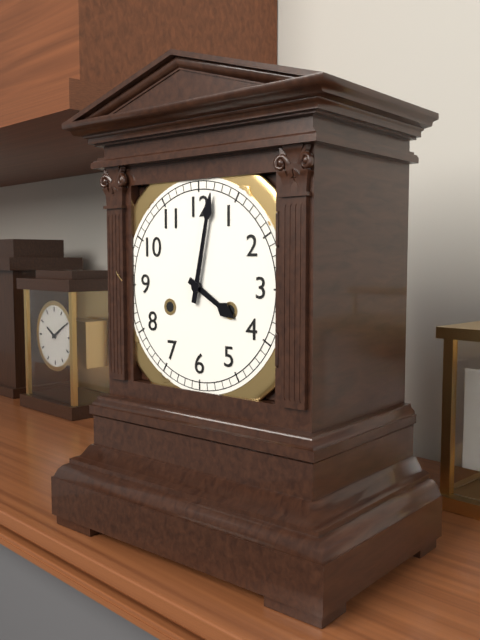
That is 4:02
